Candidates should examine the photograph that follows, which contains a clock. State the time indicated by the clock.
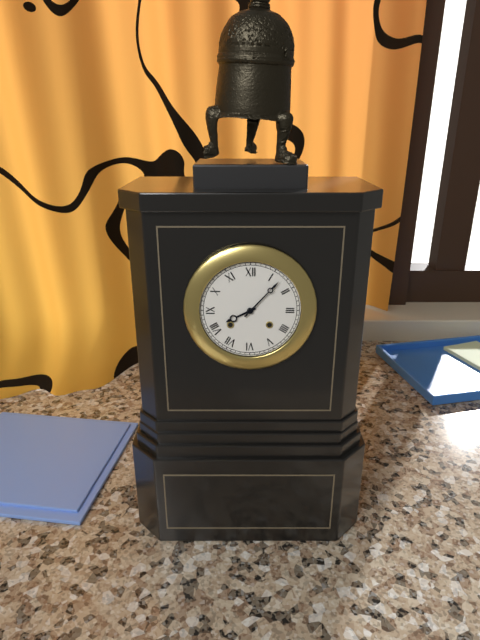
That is 8:07
